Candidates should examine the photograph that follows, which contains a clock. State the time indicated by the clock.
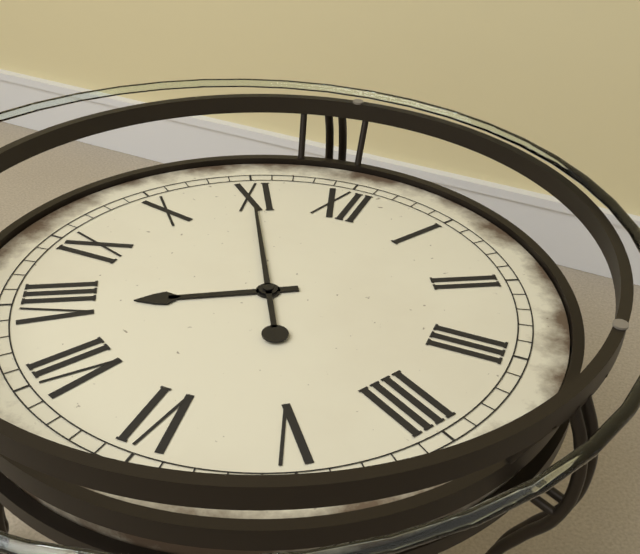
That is 7:55
